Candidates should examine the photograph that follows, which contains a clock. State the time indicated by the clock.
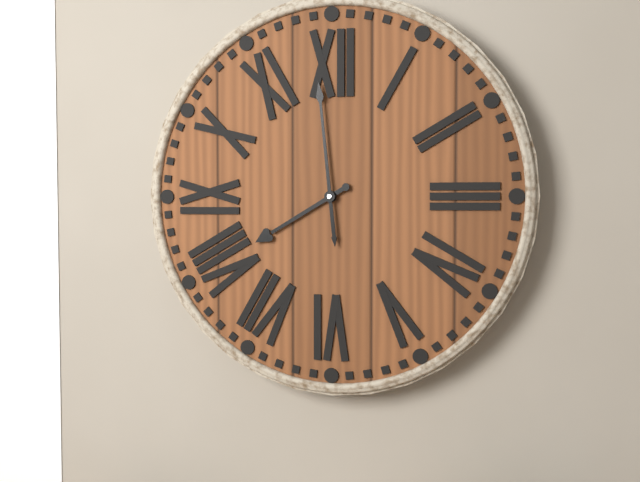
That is 7:59
